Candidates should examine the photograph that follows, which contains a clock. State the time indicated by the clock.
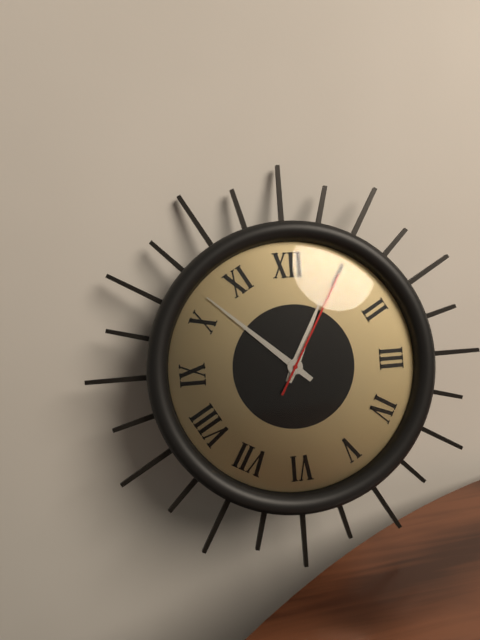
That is 12:52:05
